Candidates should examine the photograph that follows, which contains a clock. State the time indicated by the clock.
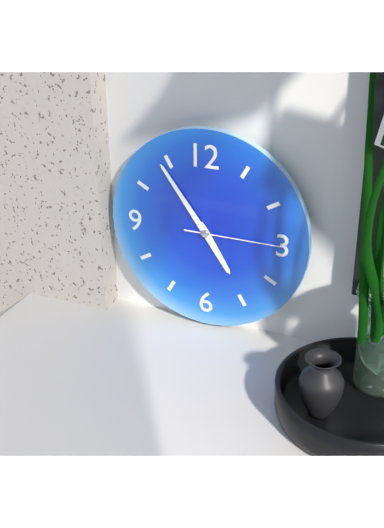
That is 4:54:15
